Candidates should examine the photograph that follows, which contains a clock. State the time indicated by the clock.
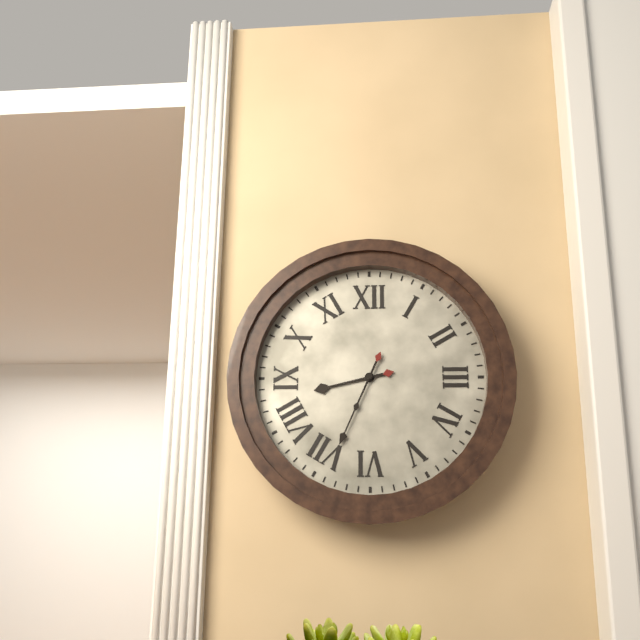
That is 8:34
